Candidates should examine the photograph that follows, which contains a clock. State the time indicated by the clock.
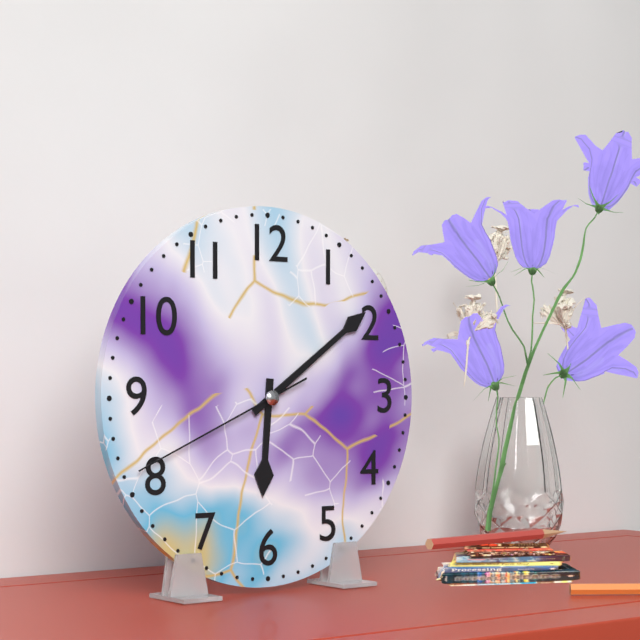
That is 6:09:41
